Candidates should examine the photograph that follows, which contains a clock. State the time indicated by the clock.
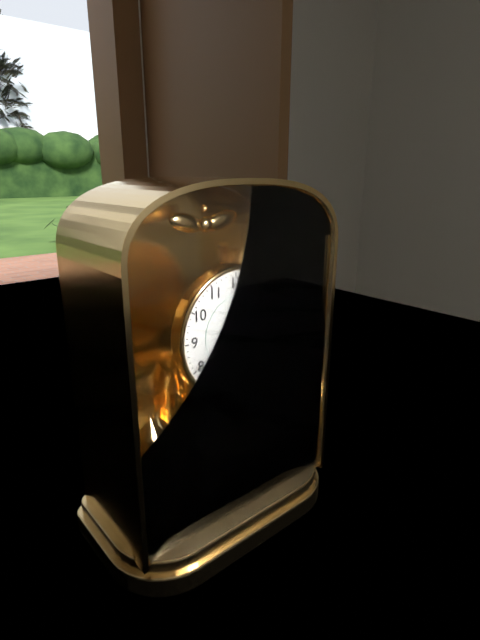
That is 12:26:40
